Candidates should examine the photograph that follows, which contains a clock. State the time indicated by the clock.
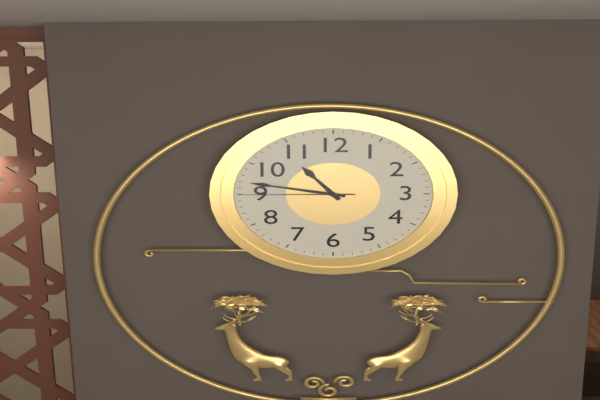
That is 10:47:45
